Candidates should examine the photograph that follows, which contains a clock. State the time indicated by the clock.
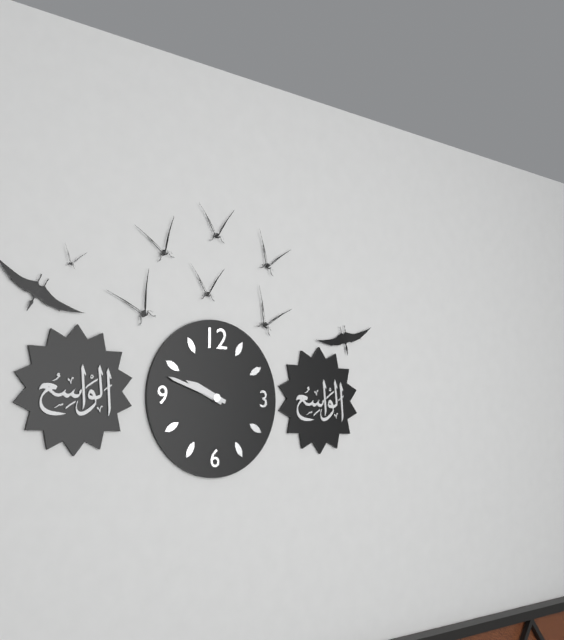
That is 9:48
